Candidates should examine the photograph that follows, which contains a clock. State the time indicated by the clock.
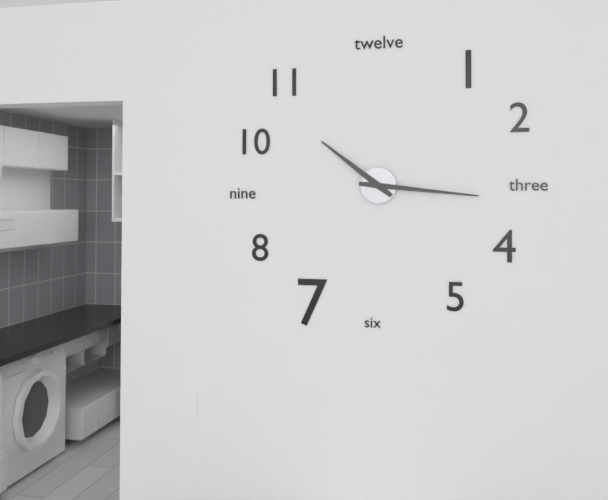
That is 10:16
